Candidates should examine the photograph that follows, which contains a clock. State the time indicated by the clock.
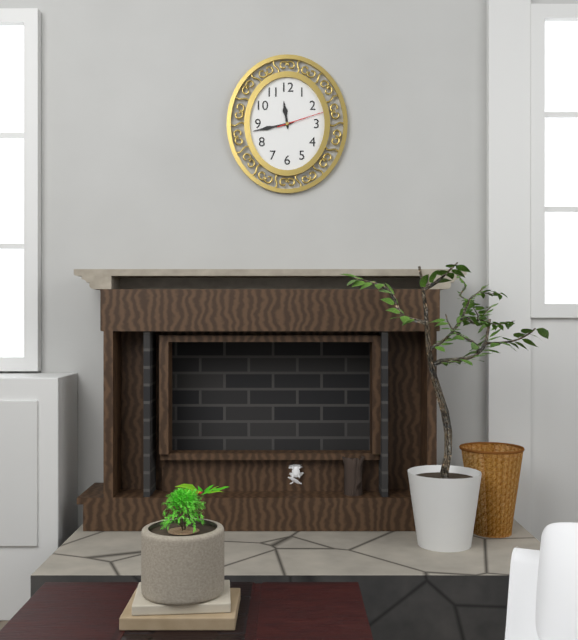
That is 11:43:12
